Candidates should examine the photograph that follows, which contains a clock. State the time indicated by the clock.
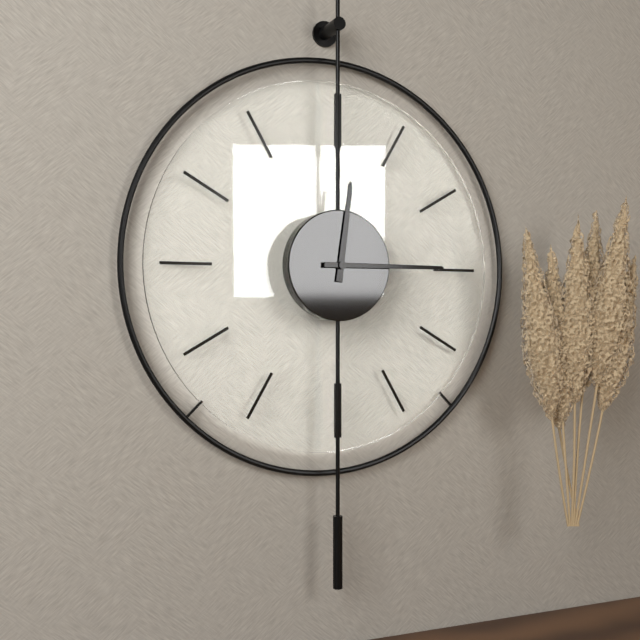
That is 12:15
